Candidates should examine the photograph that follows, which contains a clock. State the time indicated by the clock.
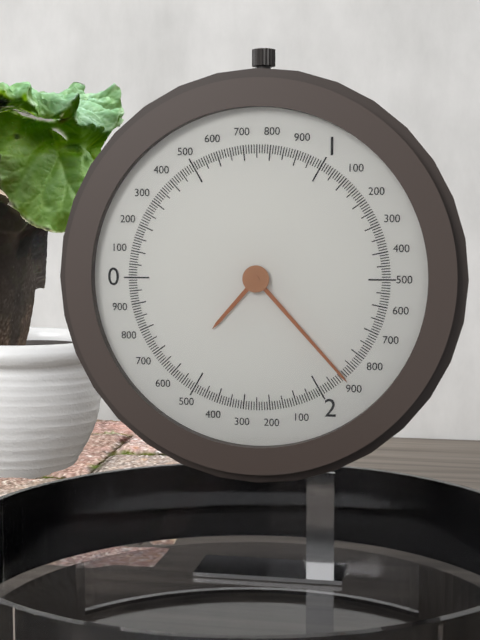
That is 7:23
